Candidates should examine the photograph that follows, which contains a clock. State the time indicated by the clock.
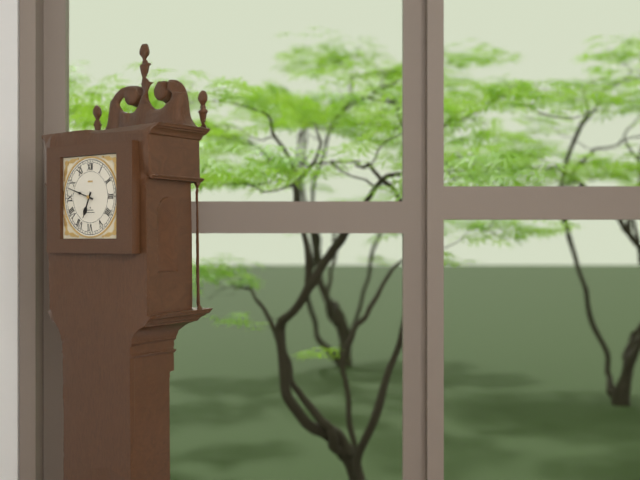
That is 6:48
